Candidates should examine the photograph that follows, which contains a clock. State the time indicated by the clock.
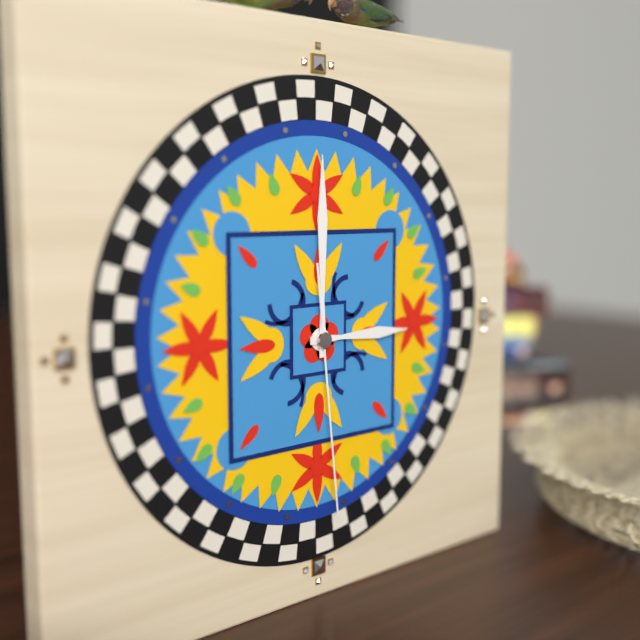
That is 3:00:29
